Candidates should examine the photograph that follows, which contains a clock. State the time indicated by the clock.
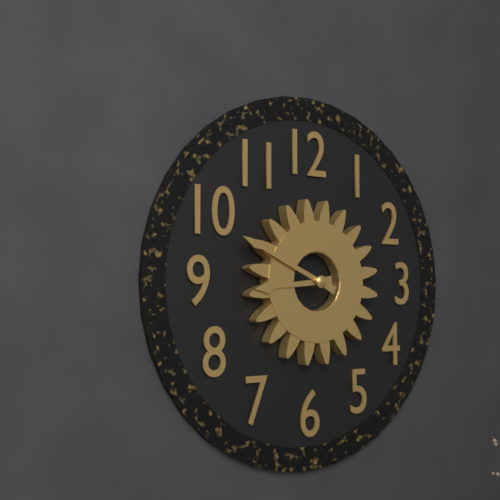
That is 8:49
